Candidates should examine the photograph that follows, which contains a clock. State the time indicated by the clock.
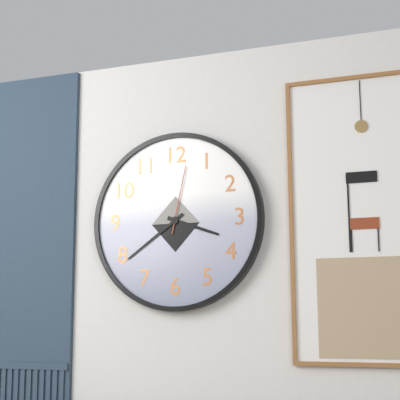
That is 3:39:02
